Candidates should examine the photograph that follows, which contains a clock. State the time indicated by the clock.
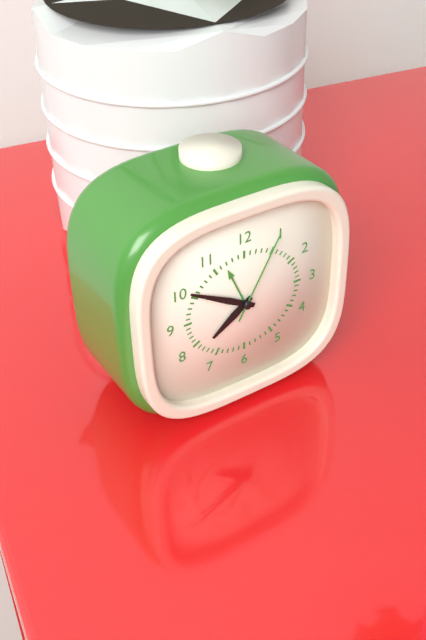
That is 7:50:05
